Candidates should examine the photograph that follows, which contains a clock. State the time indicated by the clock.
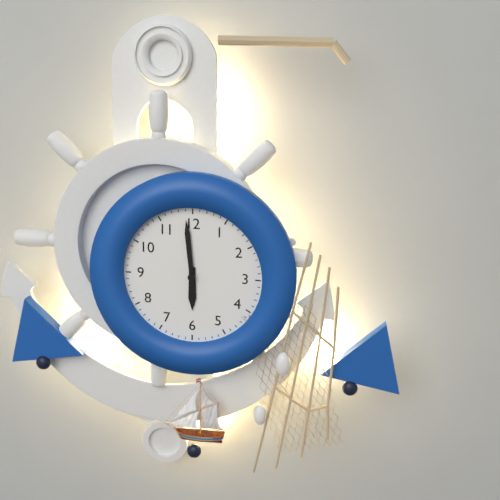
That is 5:59
